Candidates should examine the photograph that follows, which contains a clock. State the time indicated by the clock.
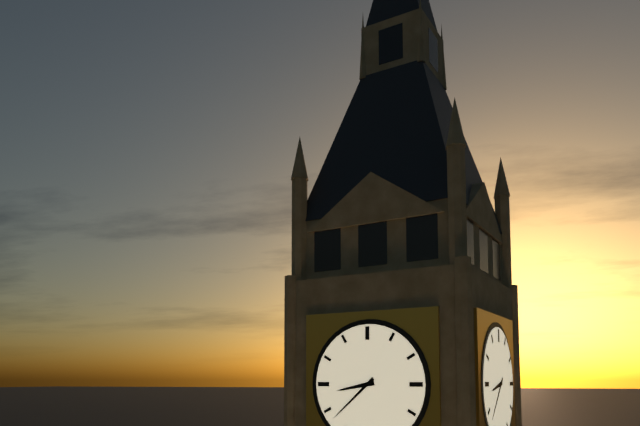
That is 8:38
